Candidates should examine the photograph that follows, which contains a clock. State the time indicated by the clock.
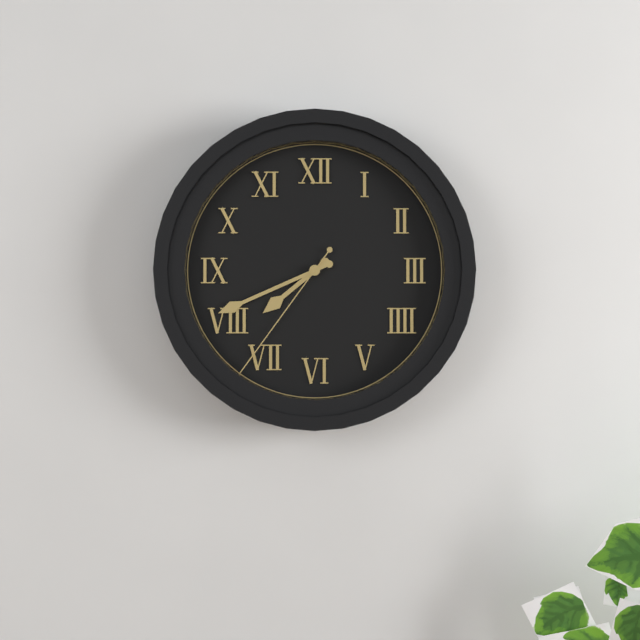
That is 7:41:36
